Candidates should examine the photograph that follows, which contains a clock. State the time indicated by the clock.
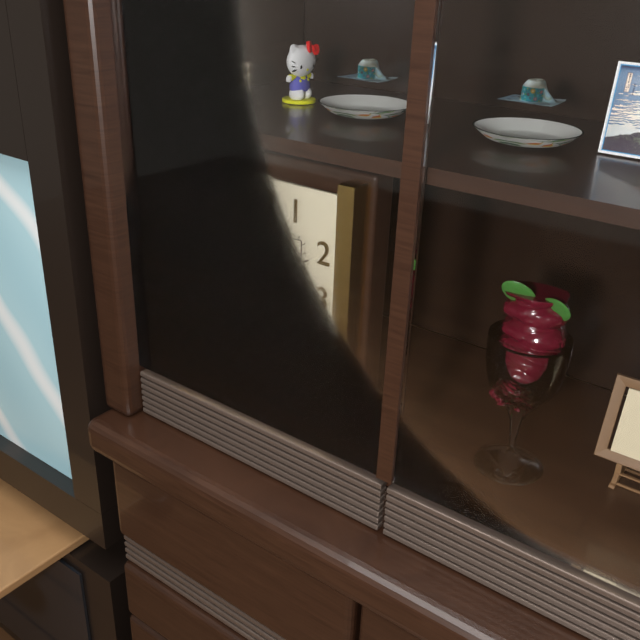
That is 6:32:52
